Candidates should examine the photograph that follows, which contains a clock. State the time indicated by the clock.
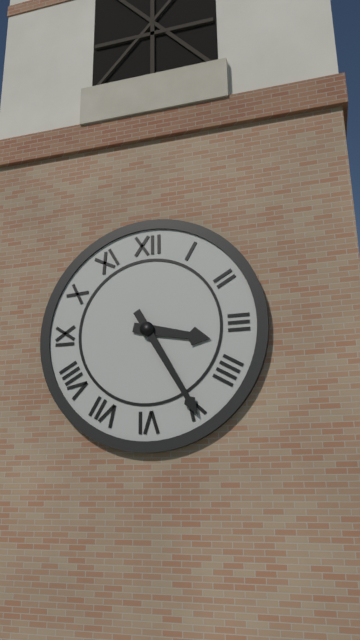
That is 3:25
